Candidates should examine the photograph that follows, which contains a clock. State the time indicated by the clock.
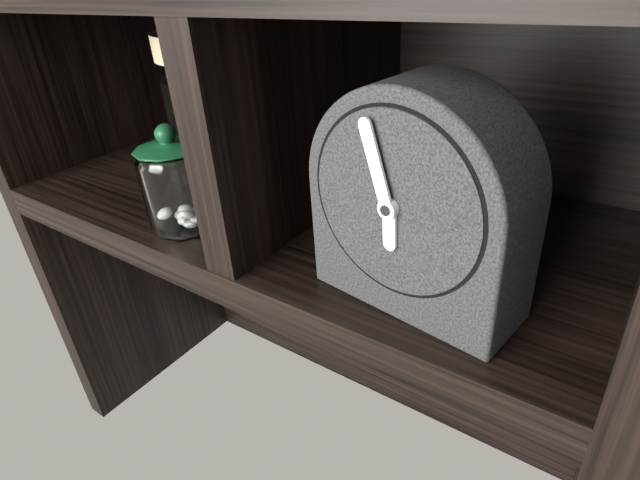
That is 5:57
